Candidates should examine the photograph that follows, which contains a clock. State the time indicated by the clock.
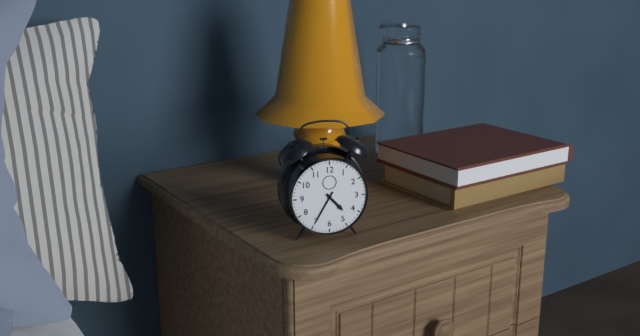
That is 4:35
